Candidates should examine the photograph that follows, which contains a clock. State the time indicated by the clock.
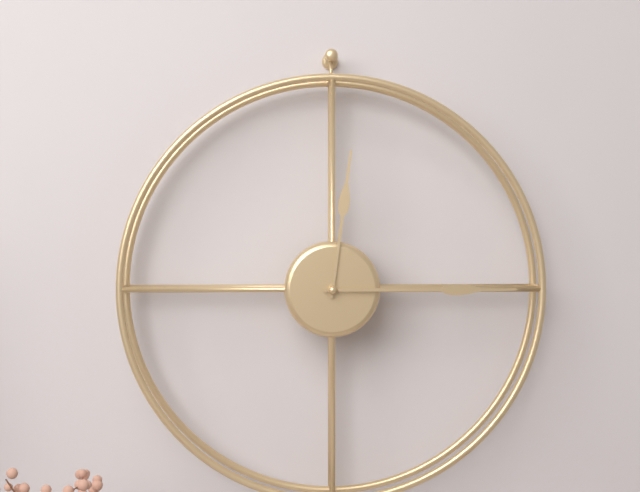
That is 12:15
